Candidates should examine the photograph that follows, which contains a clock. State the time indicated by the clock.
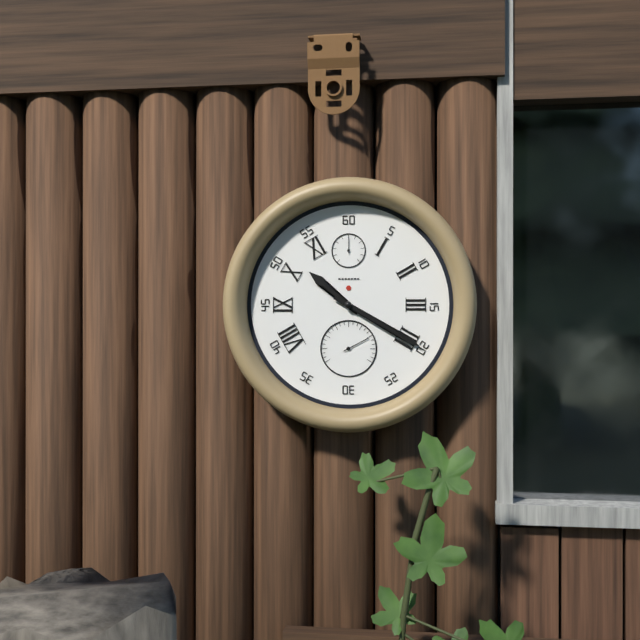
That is 10:20
